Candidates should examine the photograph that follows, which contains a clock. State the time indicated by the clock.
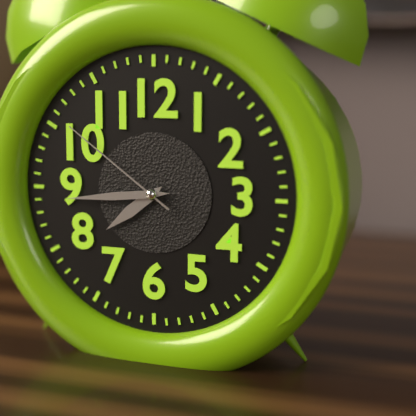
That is 7:44:51
